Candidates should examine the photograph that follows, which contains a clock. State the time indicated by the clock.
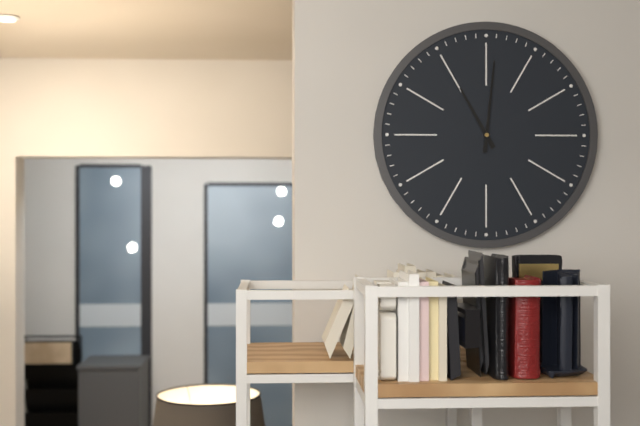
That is 11:01
